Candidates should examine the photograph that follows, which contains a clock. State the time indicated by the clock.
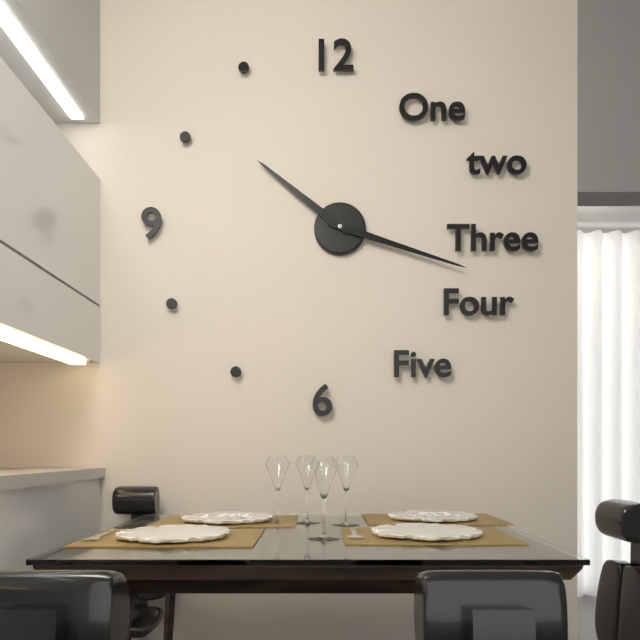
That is 10:18
